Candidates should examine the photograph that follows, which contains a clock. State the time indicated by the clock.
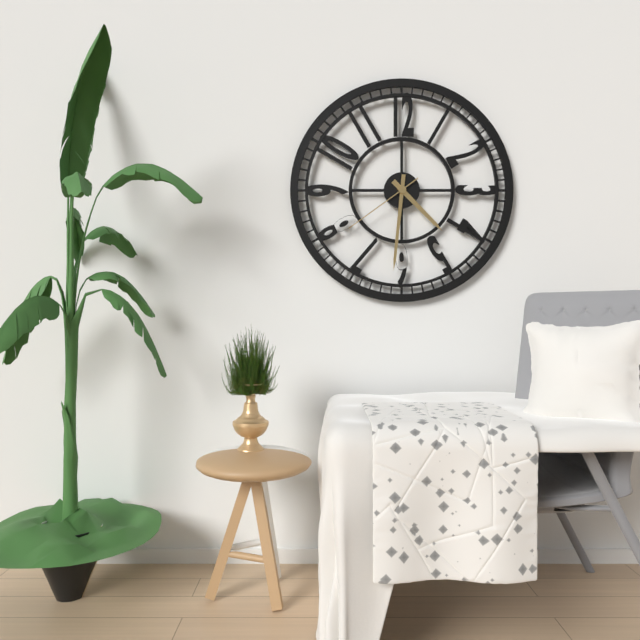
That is 4:31:39
